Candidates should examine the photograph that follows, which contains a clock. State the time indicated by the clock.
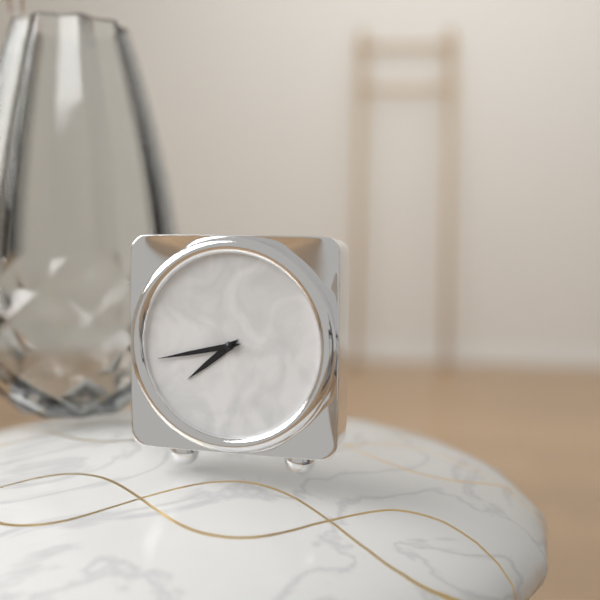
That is 7:43
